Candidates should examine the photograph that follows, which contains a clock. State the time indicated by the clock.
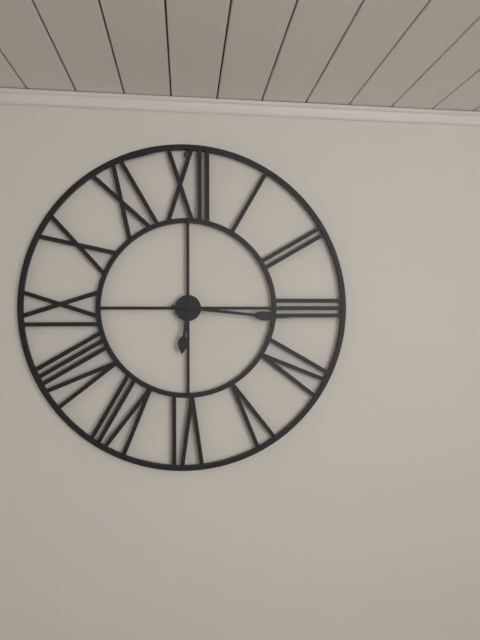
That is 6:16
